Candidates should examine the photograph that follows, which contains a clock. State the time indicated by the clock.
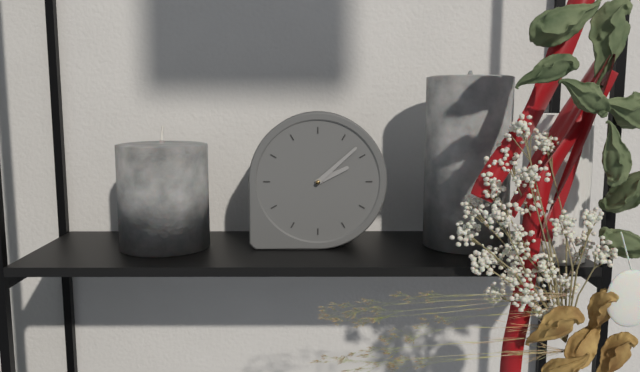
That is 2:08
